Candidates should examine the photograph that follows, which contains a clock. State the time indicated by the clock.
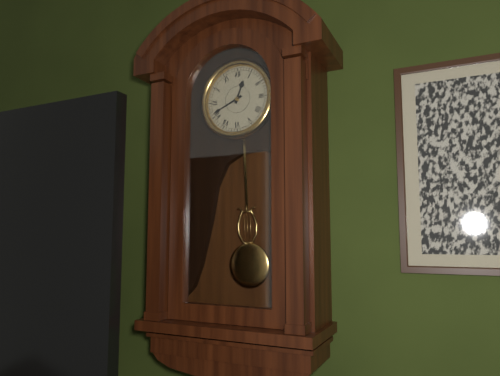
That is 12:41
